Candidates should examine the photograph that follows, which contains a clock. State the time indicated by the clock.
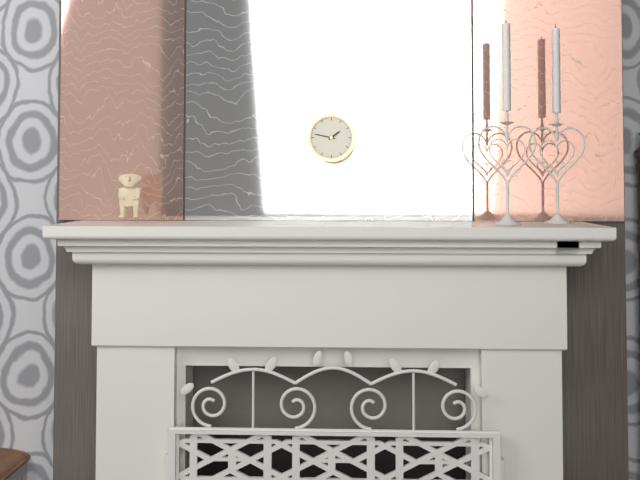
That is 1:47
